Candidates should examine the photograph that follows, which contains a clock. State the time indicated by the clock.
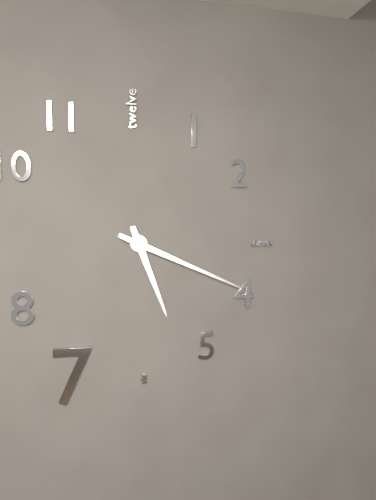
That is 5:19
